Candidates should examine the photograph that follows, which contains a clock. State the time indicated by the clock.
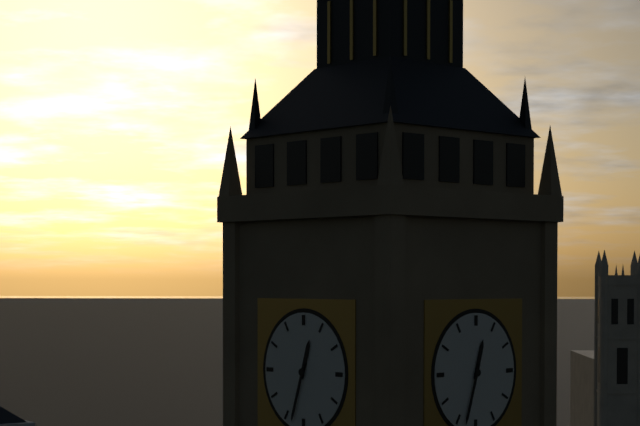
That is 12:33
